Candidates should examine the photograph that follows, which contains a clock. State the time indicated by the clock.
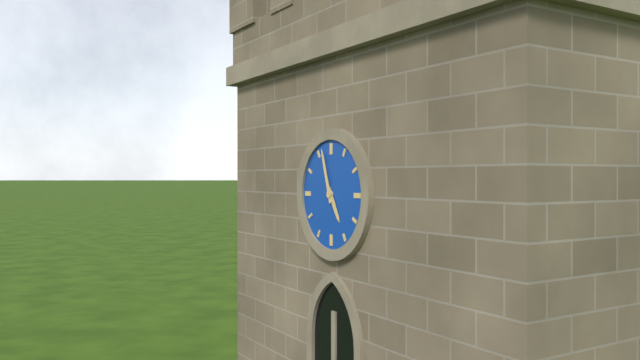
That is 4:57
